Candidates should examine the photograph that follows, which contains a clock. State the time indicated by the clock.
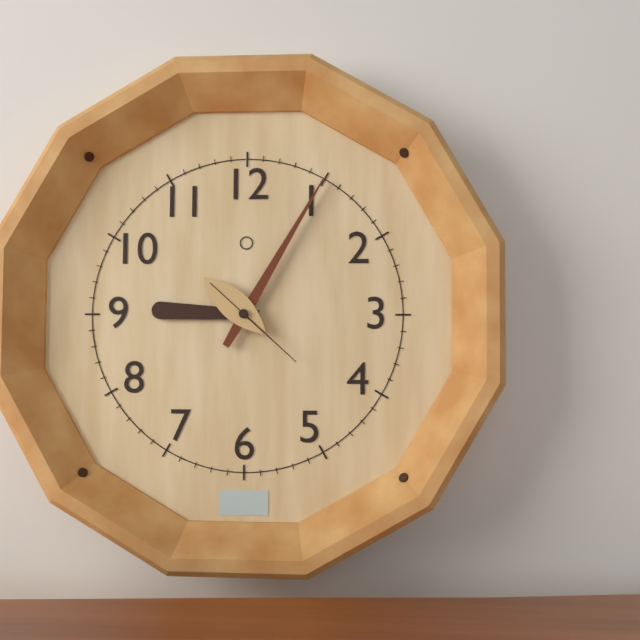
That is 9:05:22
